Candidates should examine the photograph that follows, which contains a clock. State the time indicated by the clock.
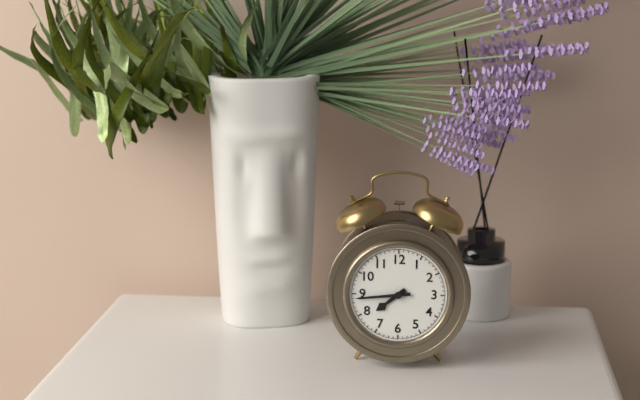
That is 7:44
